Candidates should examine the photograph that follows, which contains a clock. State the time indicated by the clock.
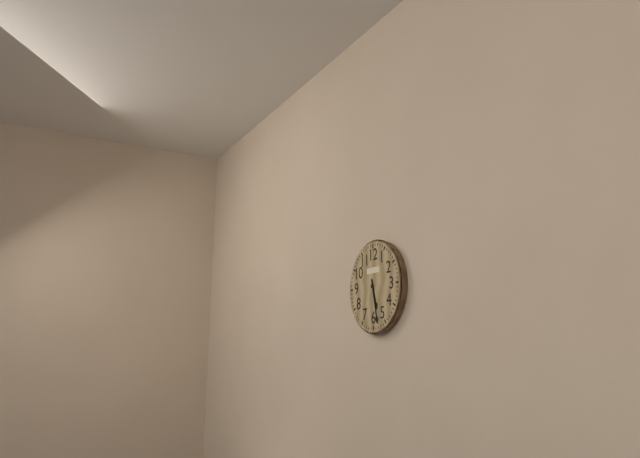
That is 5:28
